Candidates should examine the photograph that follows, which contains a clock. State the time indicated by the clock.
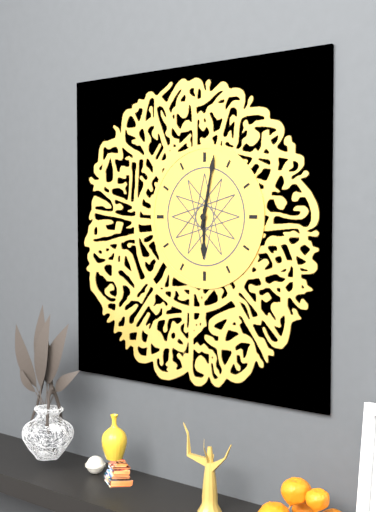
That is 6:02
